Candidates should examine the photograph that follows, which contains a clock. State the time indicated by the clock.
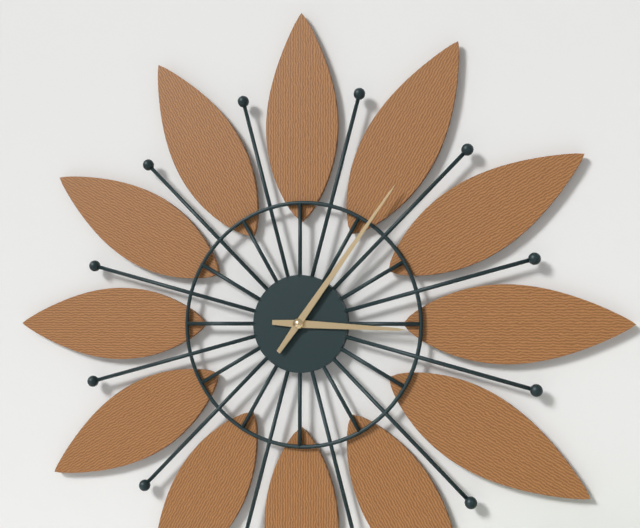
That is 3:06
